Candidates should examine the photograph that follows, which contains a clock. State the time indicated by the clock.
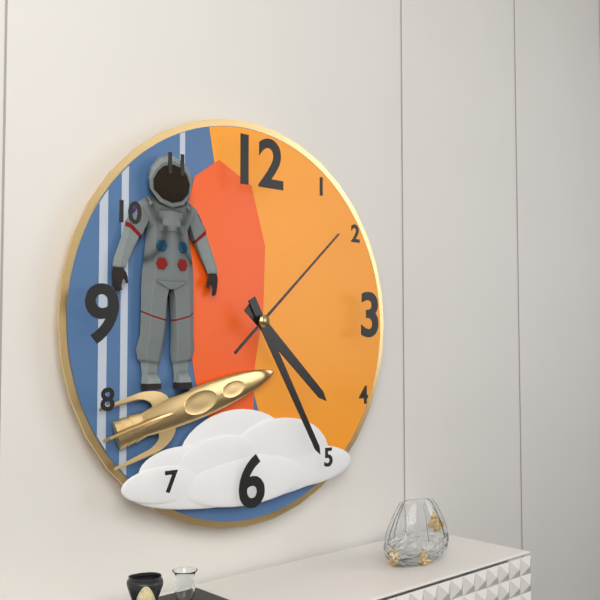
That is 4:25:08
